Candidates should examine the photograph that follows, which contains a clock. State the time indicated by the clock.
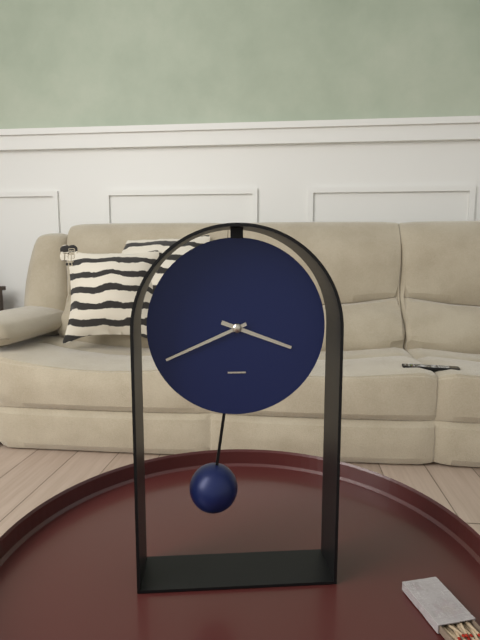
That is 3:41
